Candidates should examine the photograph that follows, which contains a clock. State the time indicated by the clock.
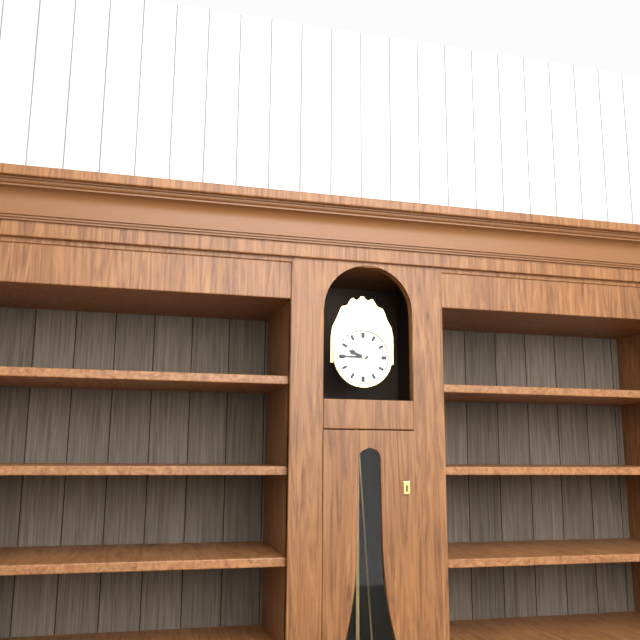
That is 9:45
